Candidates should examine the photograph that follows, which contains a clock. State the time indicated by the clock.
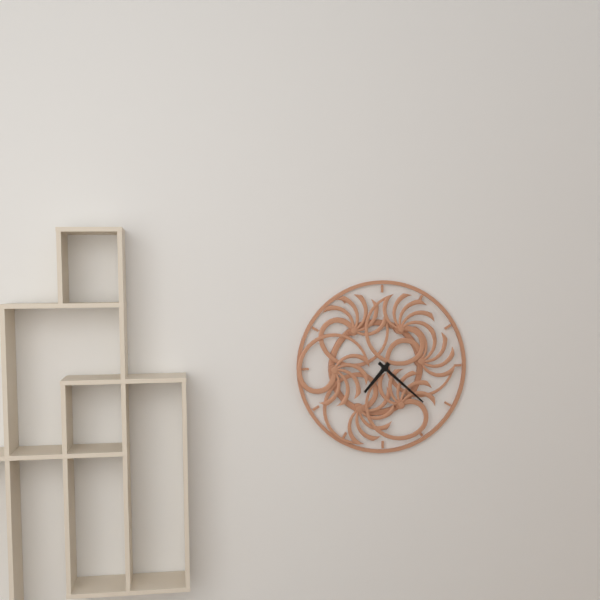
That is 7:22
